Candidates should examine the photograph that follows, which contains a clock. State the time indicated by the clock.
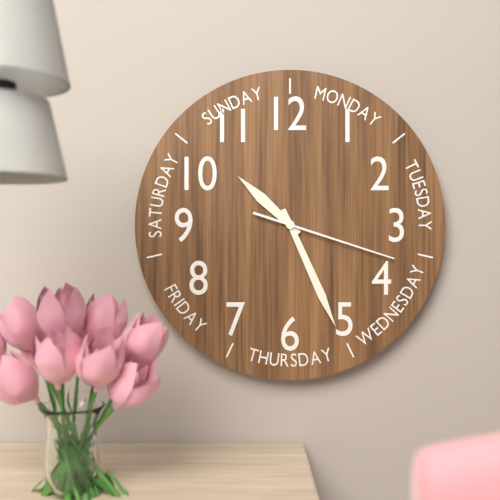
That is 10:26:18
